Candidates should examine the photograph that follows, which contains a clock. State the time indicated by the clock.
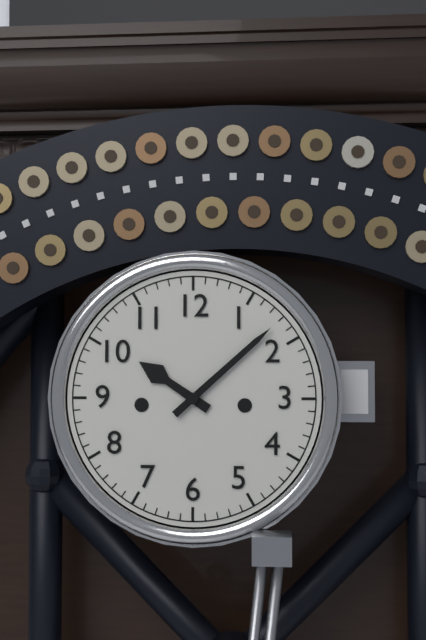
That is 10:08
